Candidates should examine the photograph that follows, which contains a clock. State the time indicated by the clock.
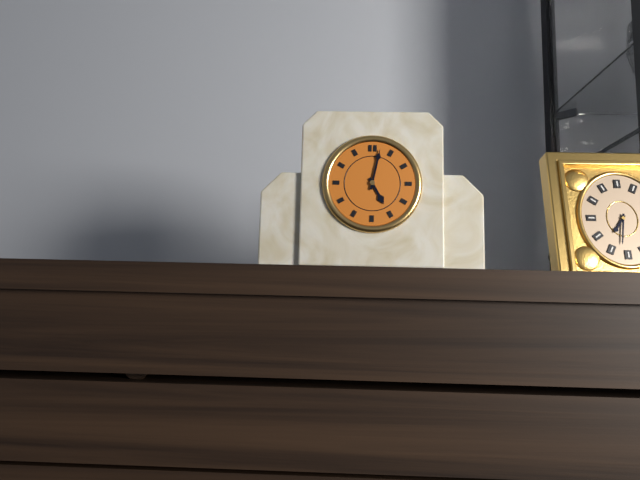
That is 5:02
